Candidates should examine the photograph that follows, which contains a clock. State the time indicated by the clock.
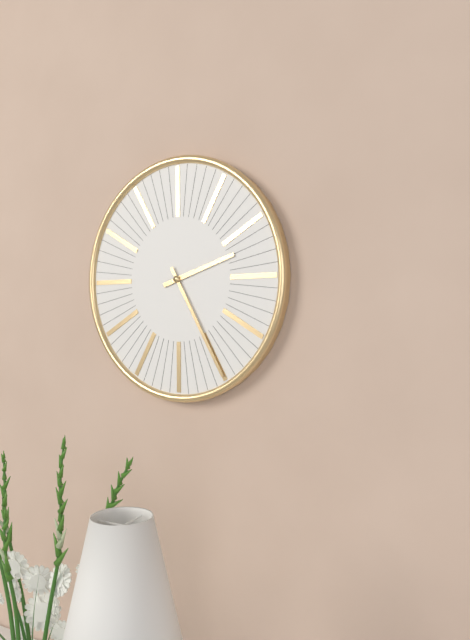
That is 2:25
